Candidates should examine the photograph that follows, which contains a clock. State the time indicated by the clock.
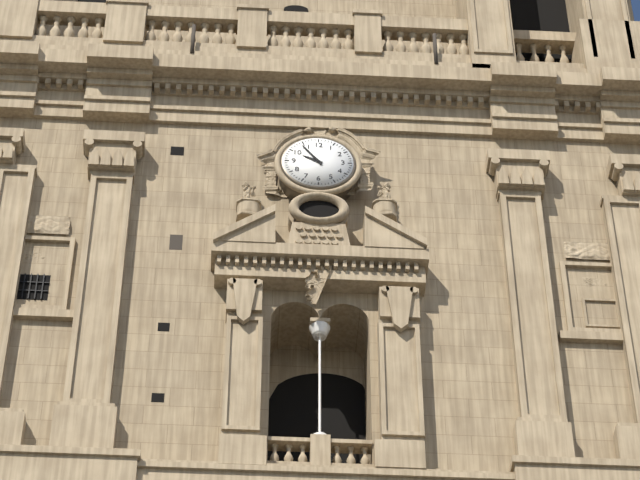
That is 9:54
